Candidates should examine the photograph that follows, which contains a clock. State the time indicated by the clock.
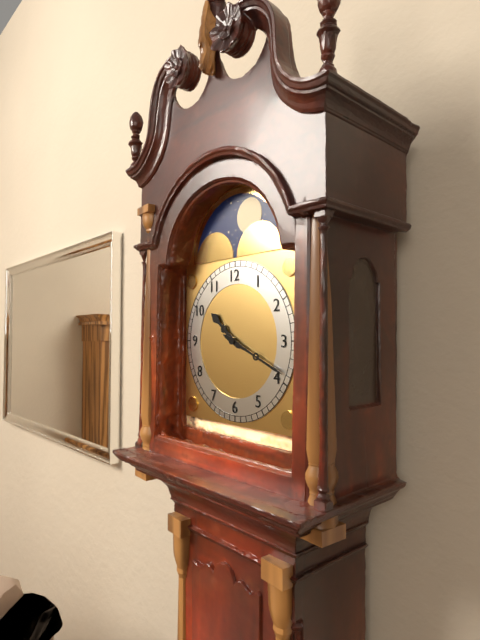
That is 10:19
